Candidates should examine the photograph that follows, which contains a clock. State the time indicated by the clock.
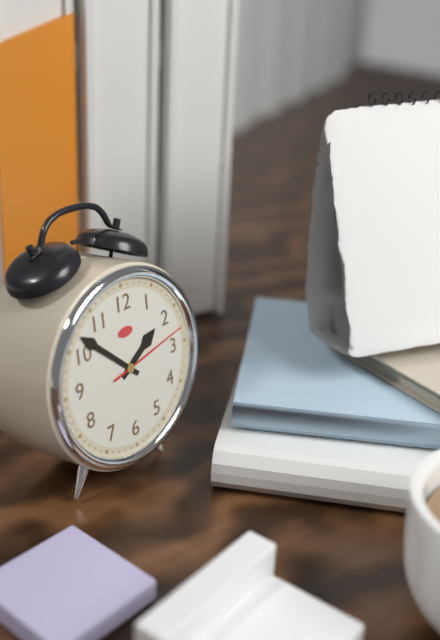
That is 1:52:13
